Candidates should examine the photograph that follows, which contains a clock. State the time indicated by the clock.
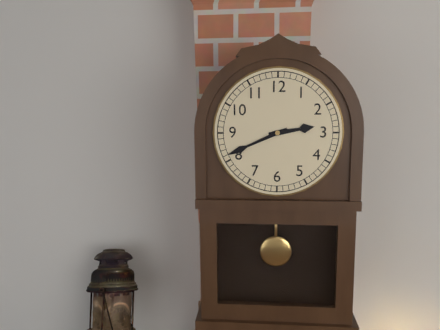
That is 2:41
